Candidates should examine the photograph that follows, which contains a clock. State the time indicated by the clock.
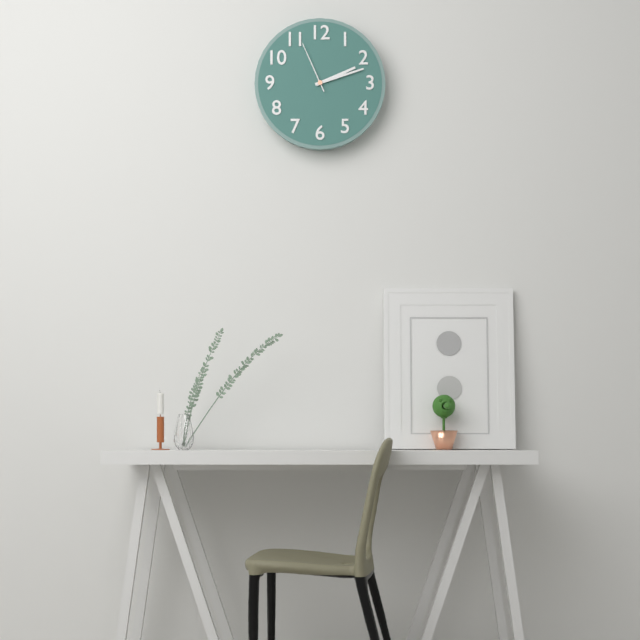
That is 2:12:56
